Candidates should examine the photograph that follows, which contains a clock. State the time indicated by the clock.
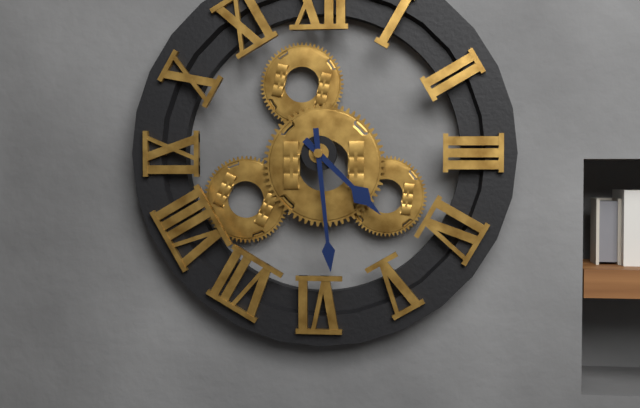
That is 4:29
